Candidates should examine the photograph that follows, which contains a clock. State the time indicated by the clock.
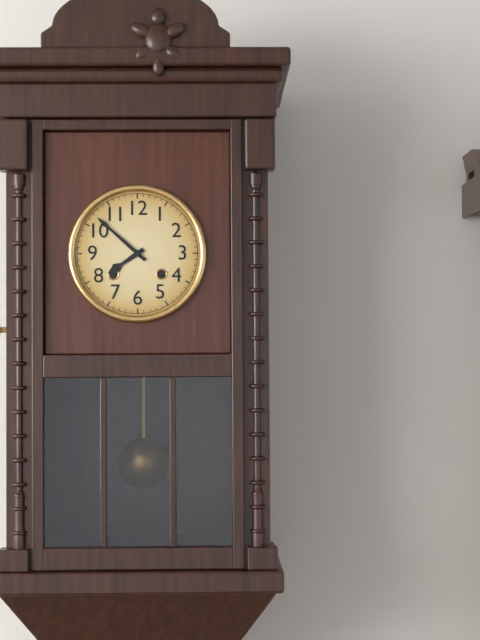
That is 7:52
